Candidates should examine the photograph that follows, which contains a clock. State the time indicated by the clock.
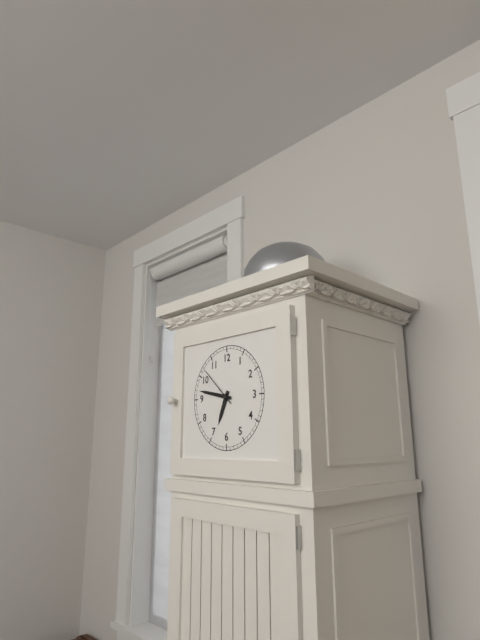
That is 6:47
